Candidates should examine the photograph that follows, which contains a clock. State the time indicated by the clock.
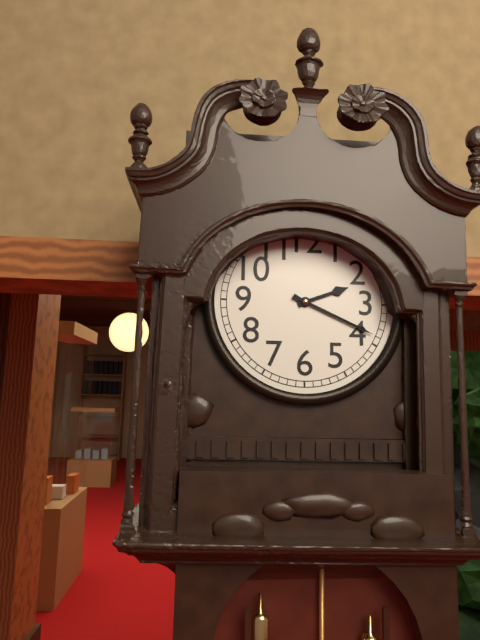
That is 2:19
